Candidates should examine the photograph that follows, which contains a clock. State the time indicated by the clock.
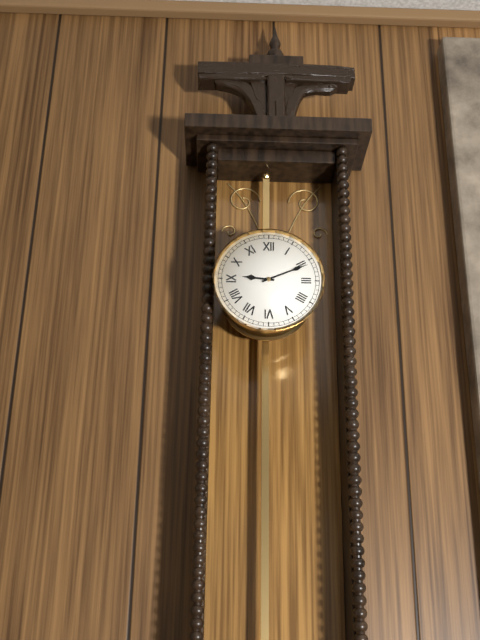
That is 9:11
